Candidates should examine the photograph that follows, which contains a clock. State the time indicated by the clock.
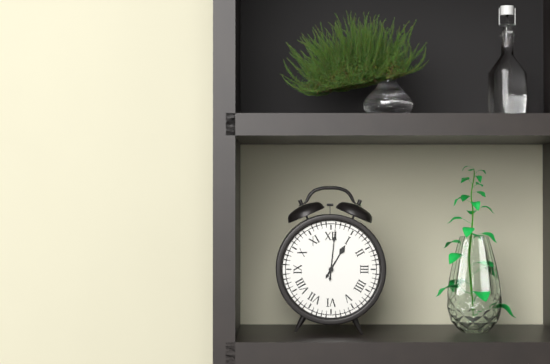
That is 1:01
